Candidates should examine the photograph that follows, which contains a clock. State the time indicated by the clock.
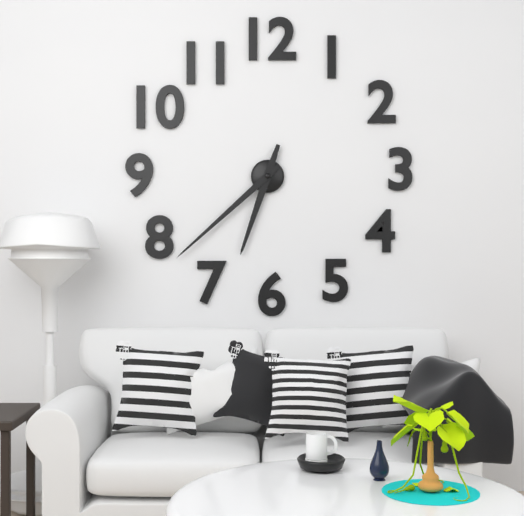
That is 6:38
